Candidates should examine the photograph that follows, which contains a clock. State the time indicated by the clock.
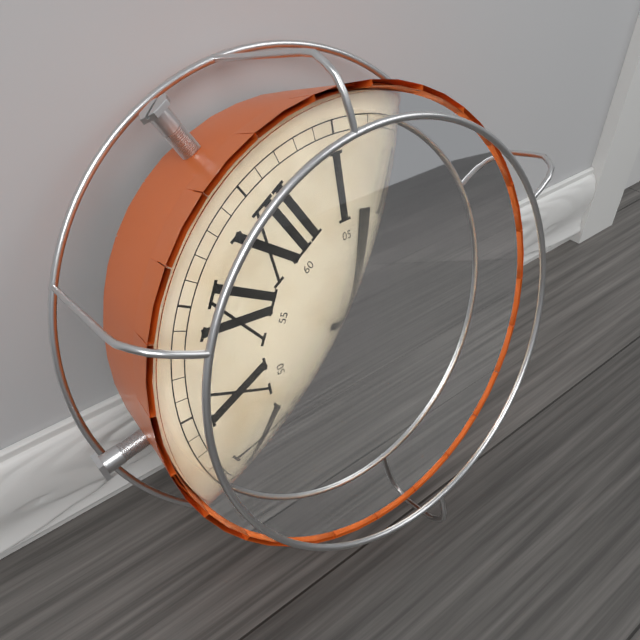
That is 1:24
